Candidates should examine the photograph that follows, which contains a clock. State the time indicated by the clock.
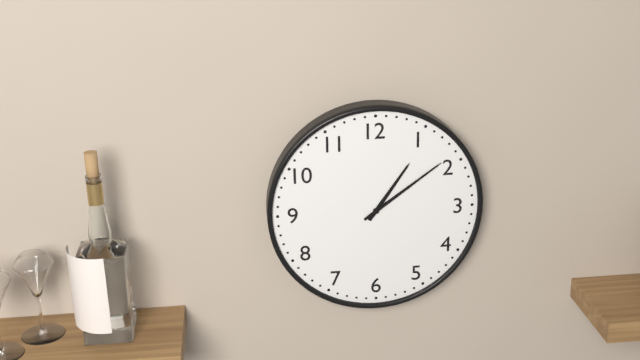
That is 1:09
